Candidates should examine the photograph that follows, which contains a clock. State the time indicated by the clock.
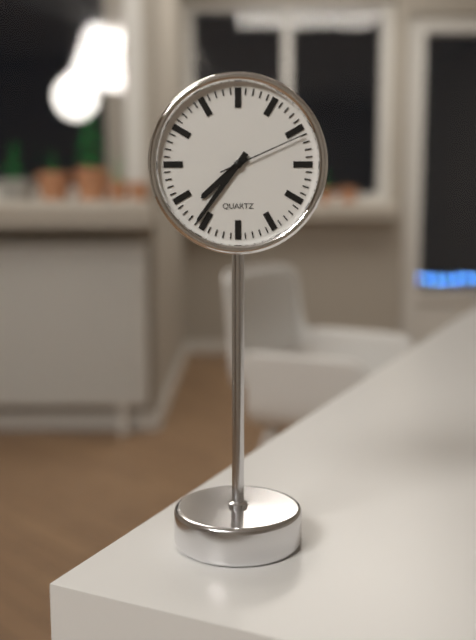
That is 7:36:11
